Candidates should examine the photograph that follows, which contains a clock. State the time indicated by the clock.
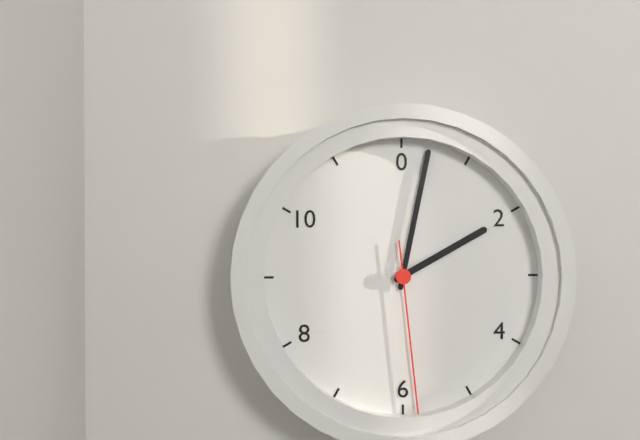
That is 2:02:29
